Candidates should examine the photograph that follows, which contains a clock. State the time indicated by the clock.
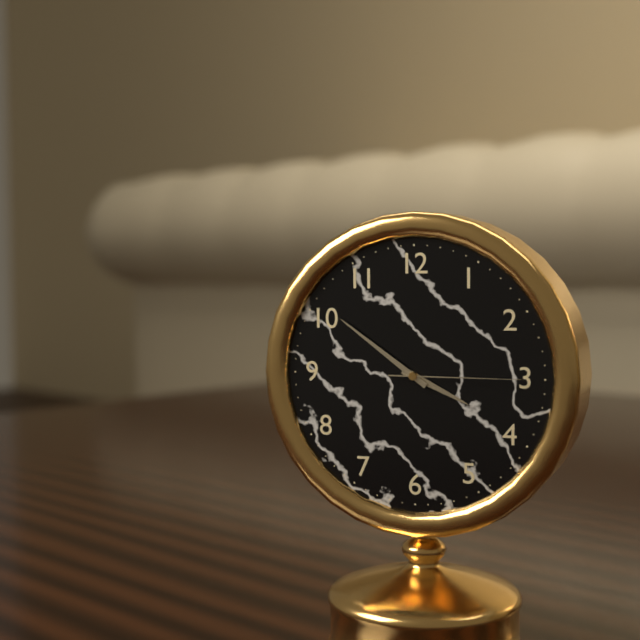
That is 3:51:15
